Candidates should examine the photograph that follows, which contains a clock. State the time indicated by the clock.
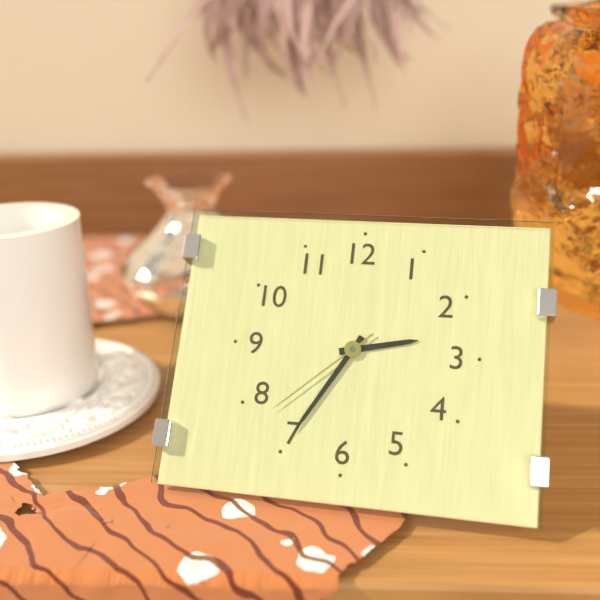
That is 2:35:38
